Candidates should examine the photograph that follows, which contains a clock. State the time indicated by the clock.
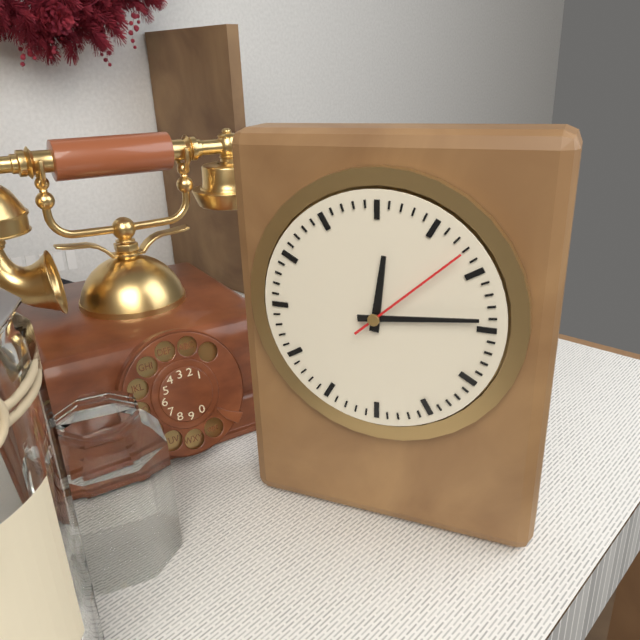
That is 12:14:08
